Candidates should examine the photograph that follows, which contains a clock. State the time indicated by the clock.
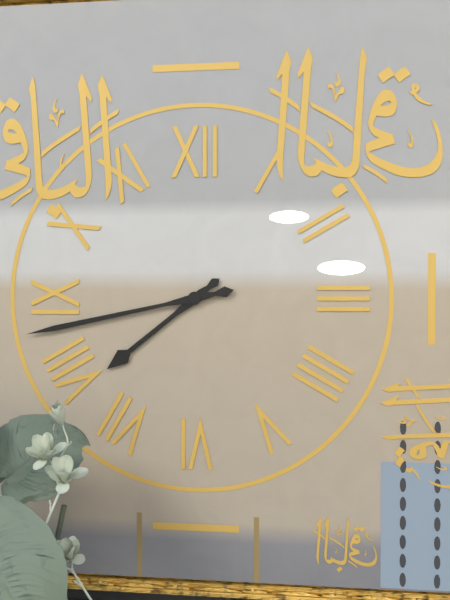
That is 7:43
